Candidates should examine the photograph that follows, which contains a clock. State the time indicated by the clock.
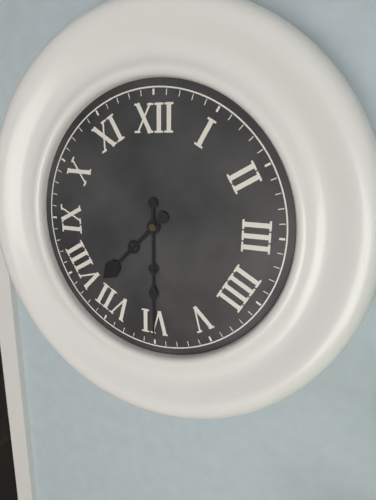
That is 7:30
